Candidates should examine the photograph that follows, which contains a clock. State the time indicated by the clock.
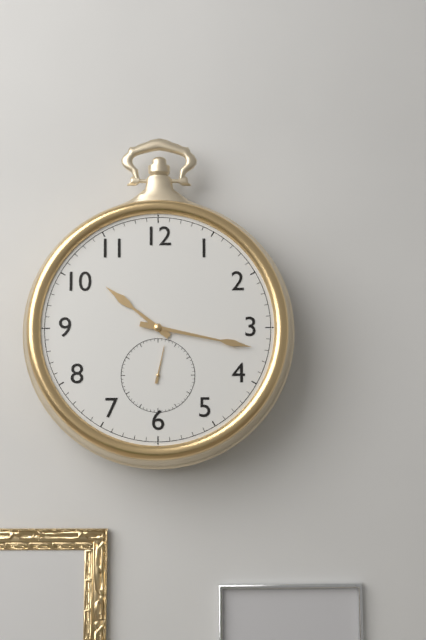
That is 10:17
